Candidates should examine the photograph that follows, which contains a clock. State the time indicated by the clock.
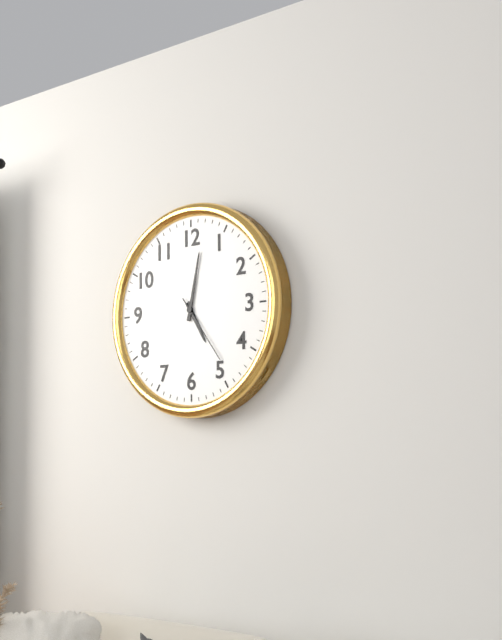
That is 5:02:24
